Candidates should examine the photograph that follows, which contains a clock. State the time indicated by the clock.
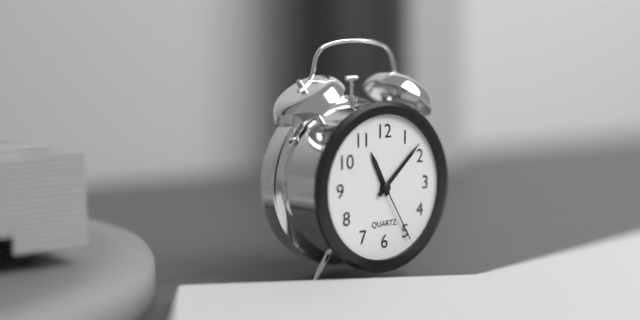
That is 11:08:25
